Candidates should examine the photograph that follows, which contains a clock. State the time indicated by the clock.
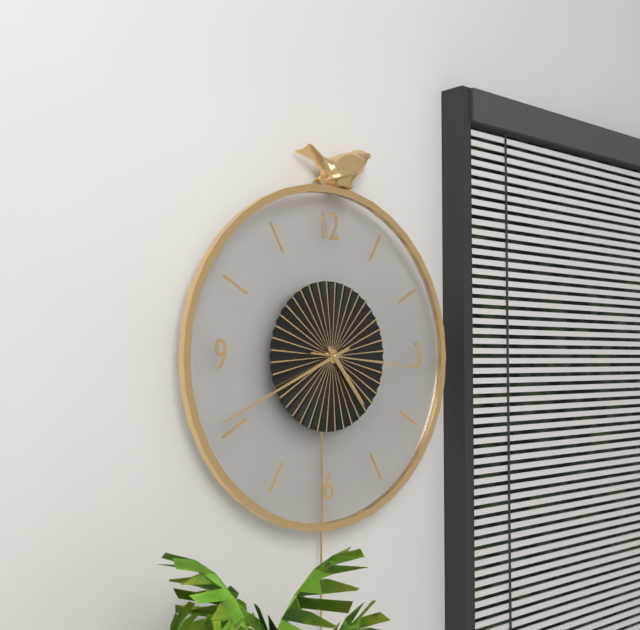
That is 4:41:16
